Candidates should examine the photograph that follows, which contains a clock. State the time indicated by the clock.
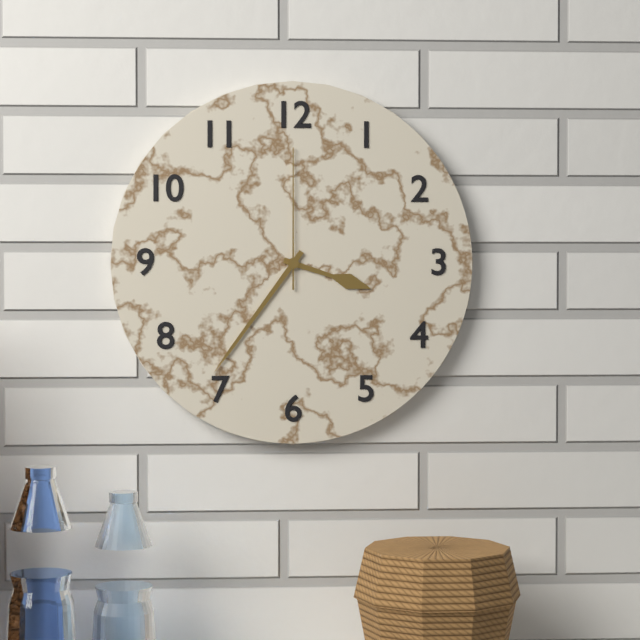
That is 3:36:00
